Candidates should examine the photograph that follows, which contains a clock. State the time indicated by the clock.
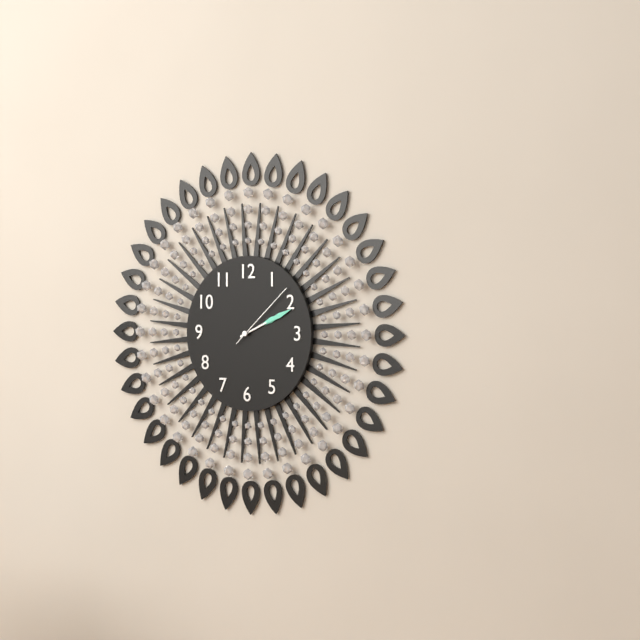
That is 2:11:08
